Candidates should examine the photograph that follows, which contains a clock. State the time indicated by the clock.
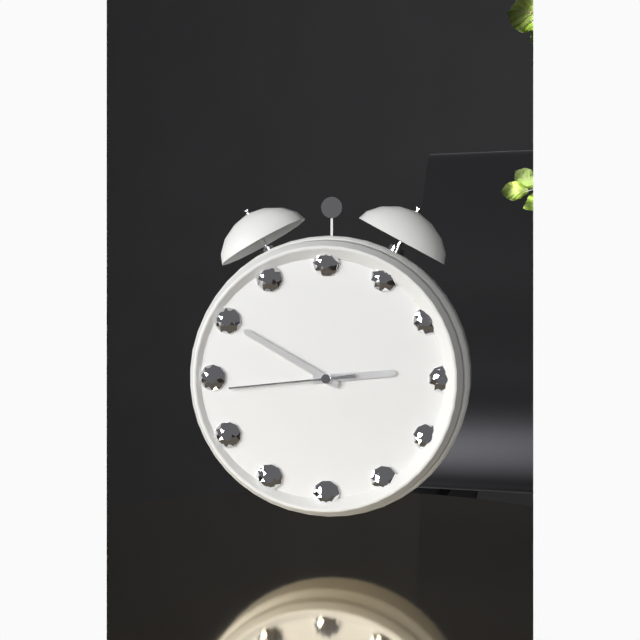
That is 2:50:44
